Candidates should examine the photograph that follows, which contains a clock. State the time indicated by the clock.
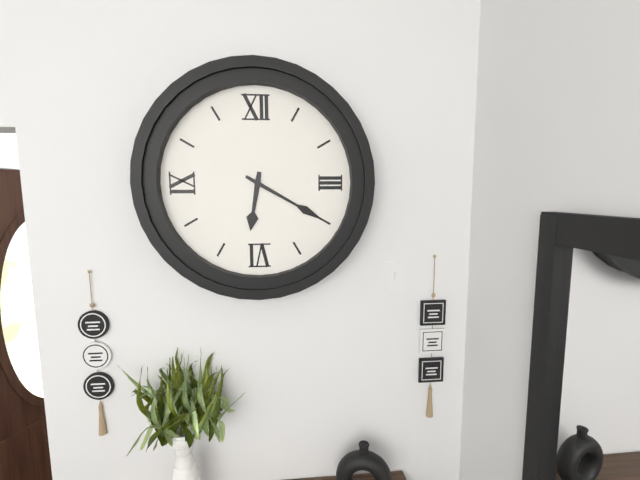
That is 6:20
